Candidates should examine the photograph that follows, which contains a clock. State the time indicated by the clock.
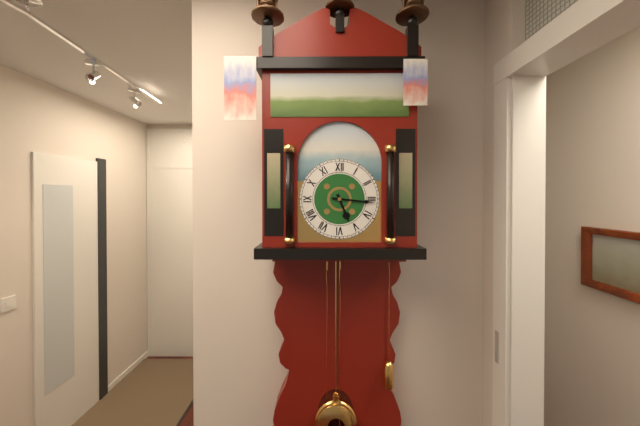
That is 5:16
